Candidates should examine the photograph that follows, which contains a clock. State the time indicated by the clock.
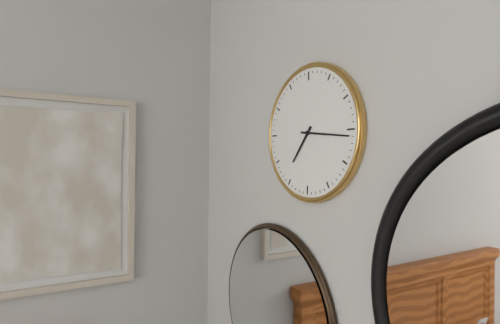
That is 7:16
